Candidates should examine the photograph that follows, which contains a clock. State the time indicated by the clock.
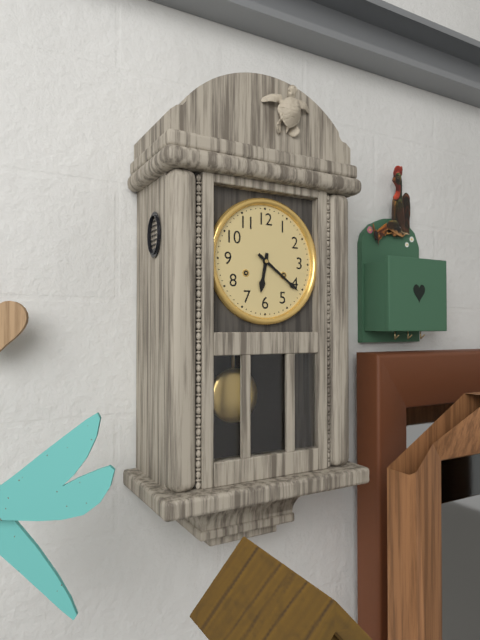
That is 6:21
